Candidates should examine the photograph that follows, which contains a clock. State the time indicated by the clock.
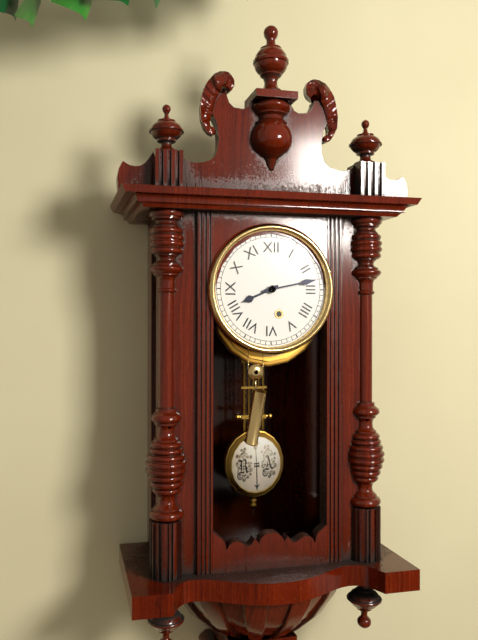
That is 8:13
